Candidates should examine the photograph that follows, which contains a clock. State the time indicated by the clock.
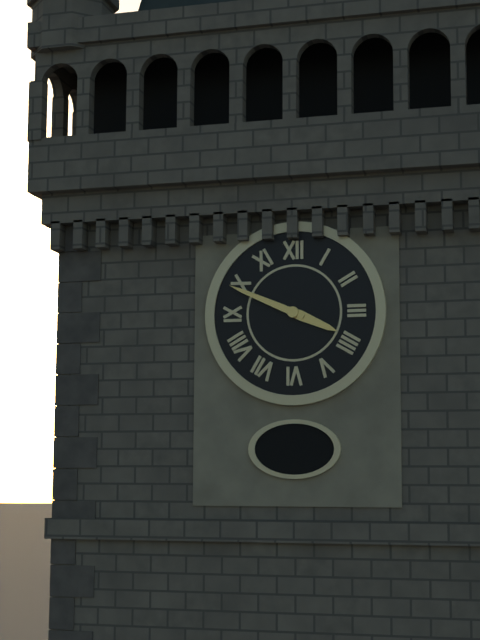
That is 3:49
